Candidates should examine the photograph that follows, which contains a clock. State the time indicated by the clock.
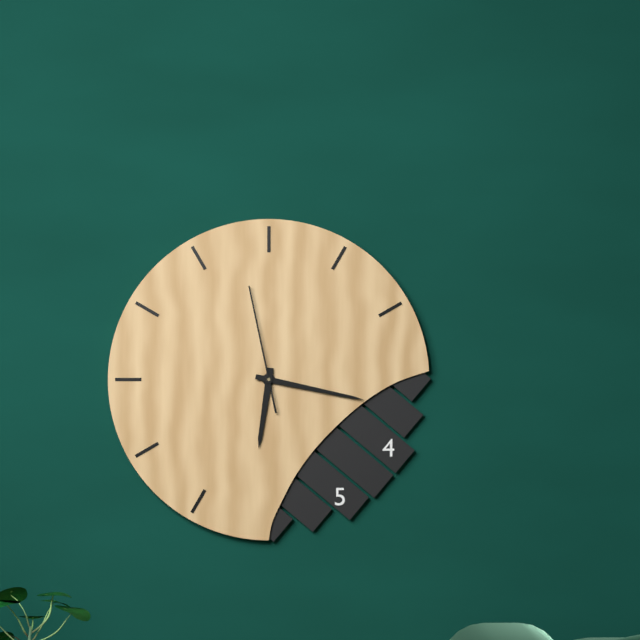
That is 6:17:58
